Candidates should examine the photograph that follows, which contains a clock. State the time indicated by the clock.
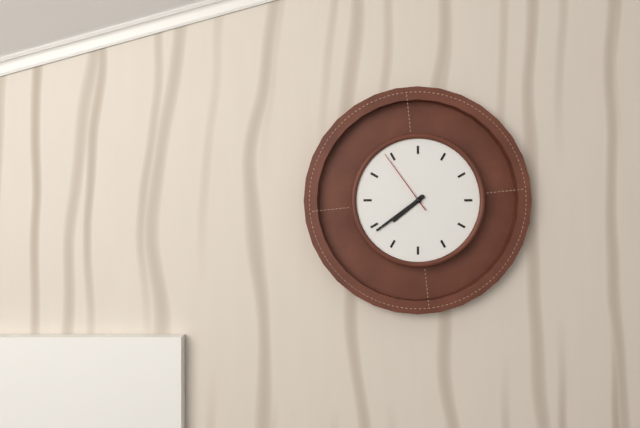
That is 7:39:54
